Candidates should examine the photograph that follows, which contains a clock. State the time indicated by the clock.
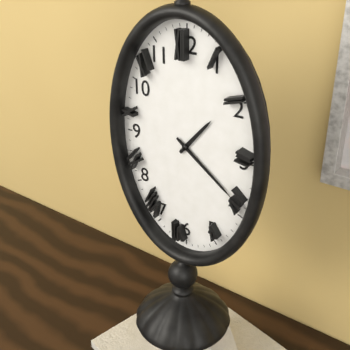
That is 1:21
